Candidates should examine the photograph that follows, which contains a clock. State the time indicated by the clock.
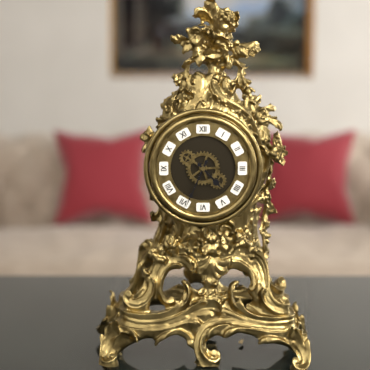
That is 4:34
